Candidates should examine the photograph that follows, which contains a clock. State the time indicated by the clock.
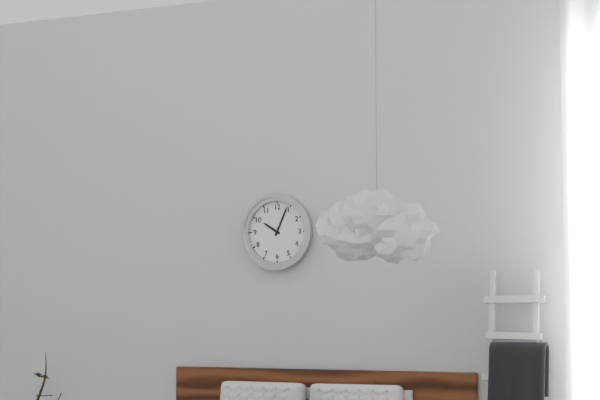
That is 10:04
